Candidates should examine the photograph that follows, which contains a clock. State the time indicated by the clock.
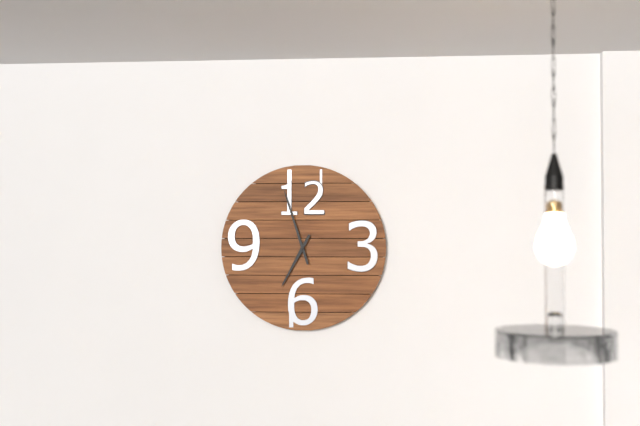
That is 6:57
